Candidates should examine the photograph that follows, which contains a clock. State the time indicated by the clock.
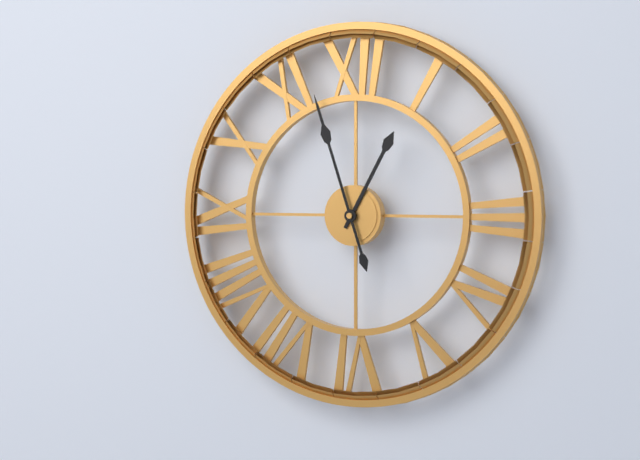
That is 12:57
